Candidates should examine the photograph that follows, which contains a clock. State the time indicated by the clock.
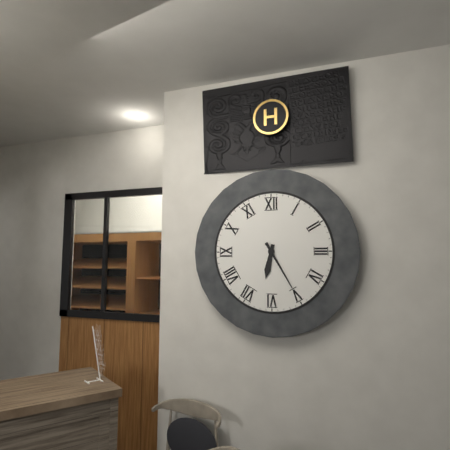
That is 6:25
